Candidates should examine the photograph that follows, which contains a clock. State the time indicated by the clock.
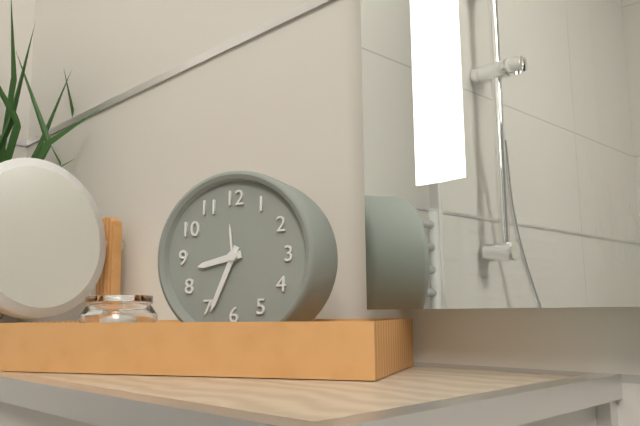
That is 8:34
